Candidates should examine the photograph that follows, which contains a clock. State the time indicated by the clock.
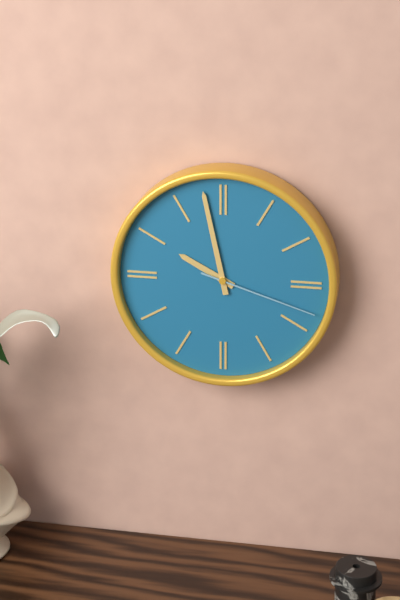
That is 9:58:18
